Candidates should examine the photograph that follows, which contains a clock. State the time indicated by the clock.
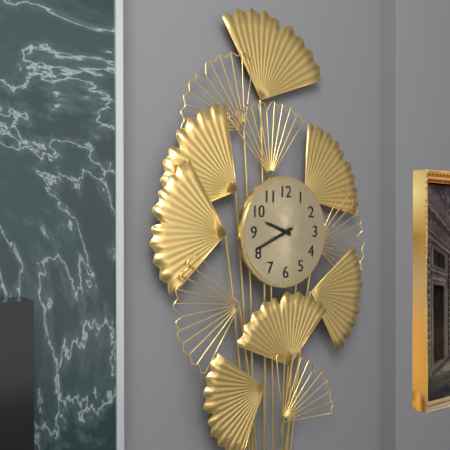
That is 9:41
